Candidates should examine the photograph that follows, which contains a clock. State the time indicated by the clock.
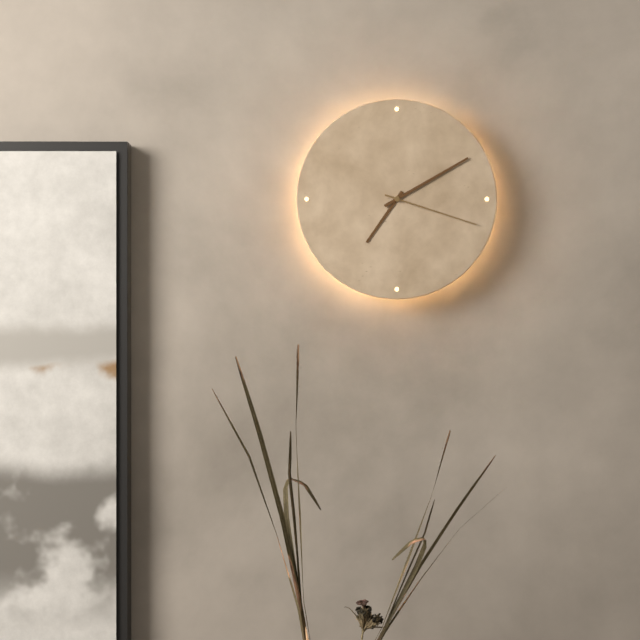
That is 7:10:18
